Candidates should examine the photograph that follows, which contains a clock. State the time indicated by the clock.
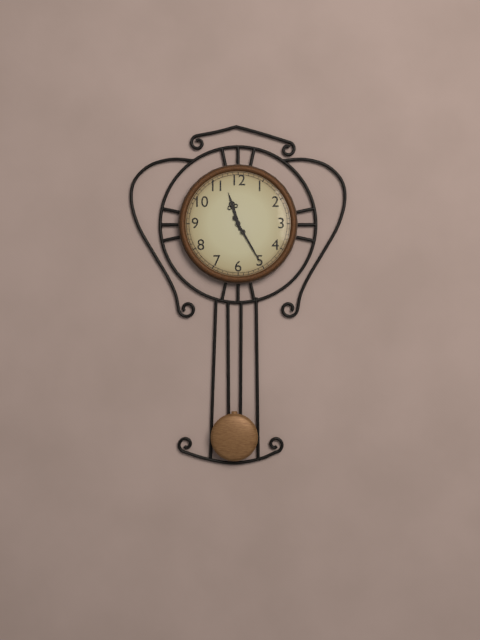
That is 11:25
